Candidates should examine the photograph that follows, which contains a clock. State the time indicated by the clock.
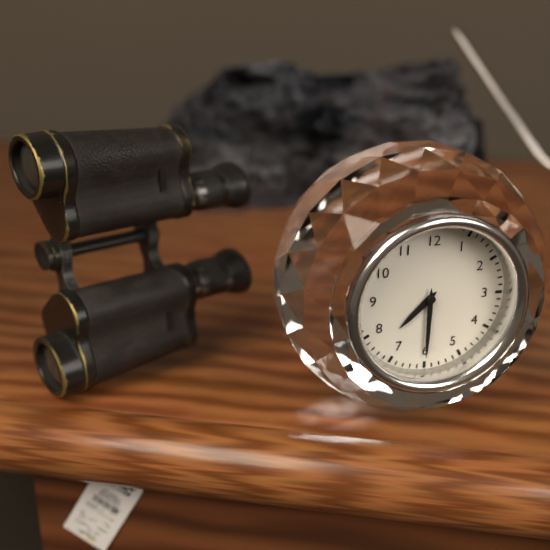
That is 7:30
